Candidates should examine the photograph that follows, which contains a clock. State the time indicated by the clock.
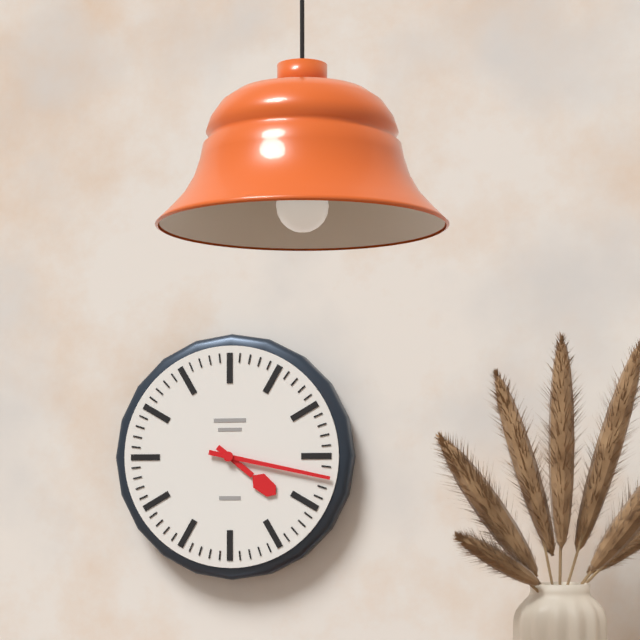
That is 4:17
